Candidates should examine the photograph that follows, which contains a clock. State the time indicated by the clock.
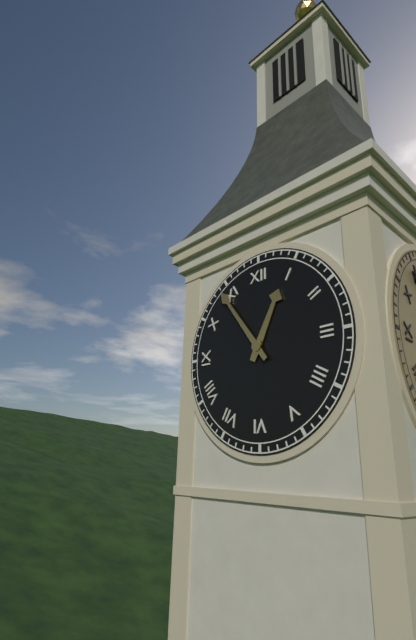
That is 12:54
